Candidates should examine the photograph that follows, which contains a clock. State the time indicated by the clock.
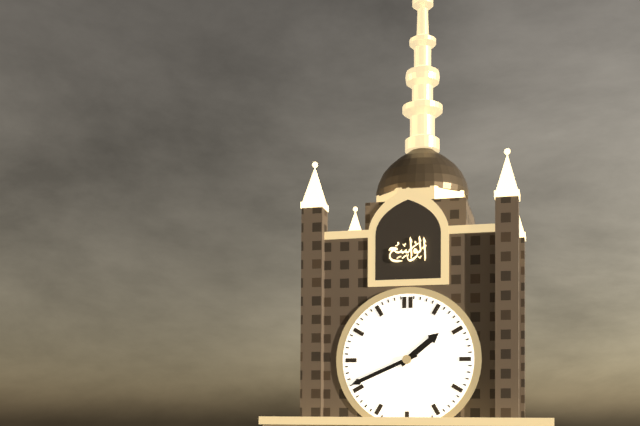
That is 1:41
